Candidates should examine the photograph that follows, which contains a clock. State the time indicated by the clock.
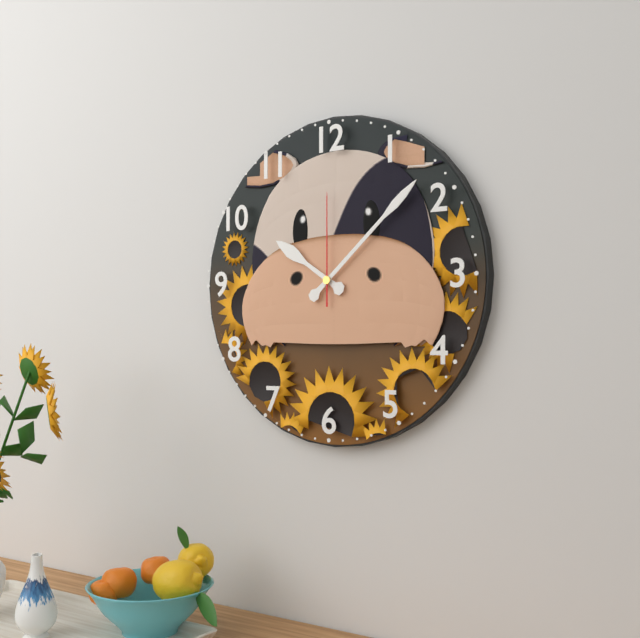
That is 10:08:00
